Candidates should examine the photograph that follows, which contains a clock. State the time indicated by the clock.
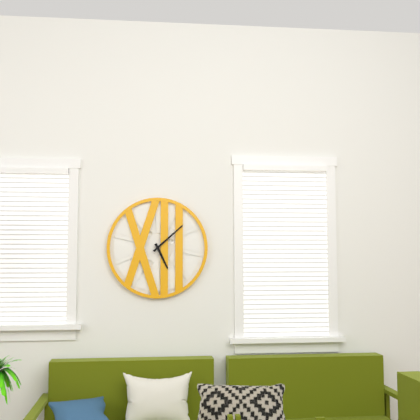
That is 5:08
